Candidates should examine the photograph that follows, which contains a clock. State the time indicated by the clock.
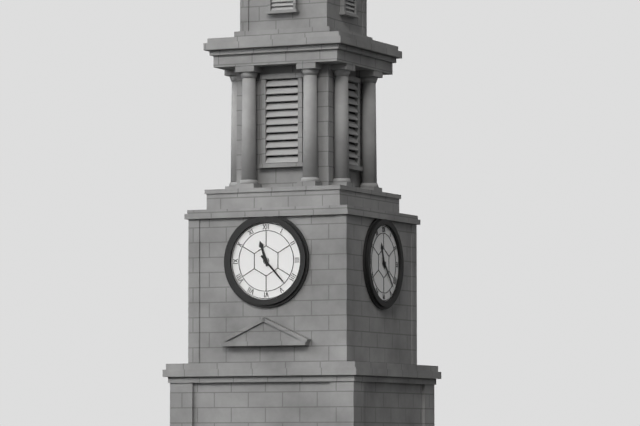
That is 11:23
